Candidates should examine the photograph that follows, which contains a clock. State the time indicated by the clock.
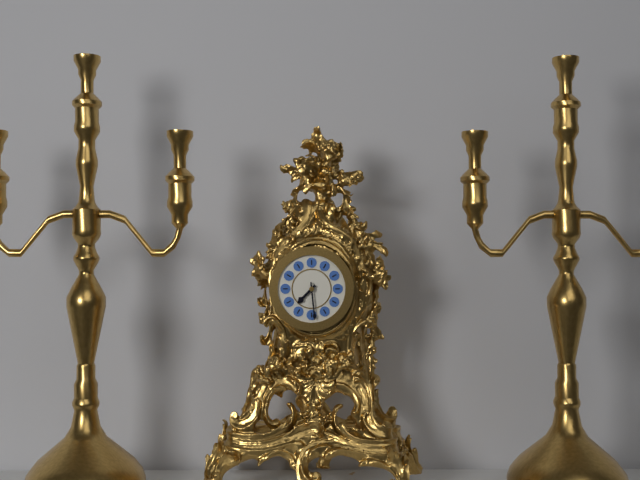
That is 7:29
